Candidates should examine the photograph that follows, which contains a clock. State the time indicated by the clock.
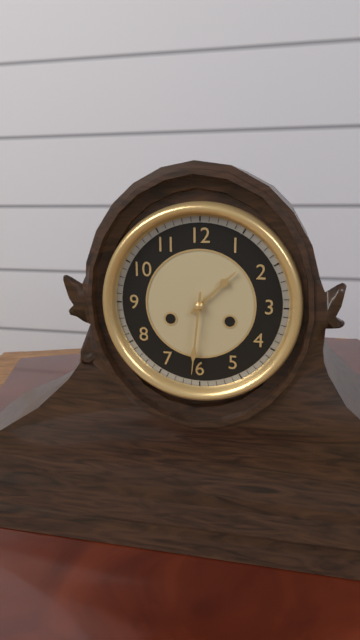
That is 1:31
